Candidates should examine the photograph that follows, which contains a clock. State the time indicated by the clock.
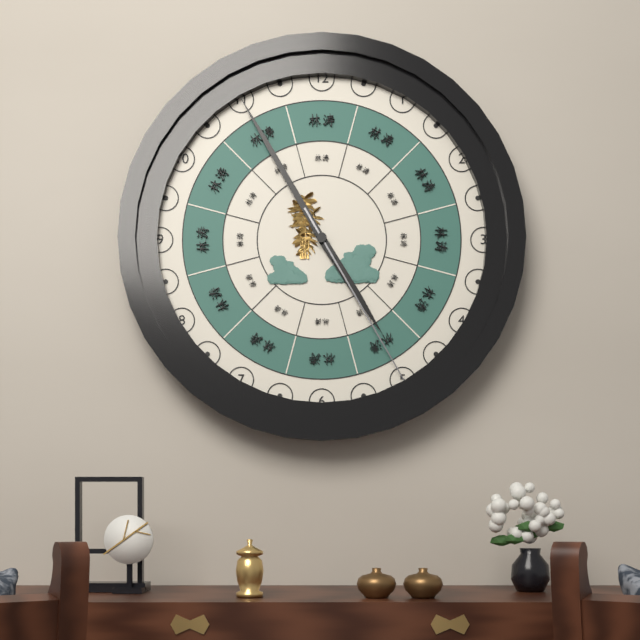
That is 4:55:25
